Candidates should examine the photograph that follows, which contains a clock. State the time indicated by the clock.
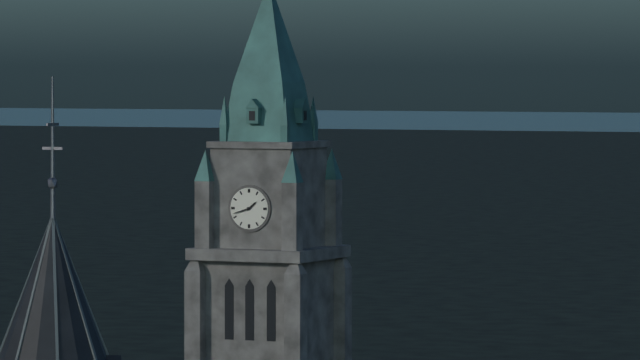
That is 1:42
